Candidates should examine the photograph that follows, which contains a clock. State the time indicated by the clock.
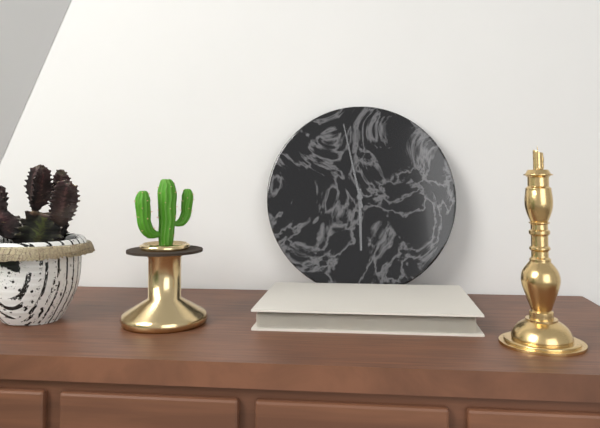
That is 5:58
